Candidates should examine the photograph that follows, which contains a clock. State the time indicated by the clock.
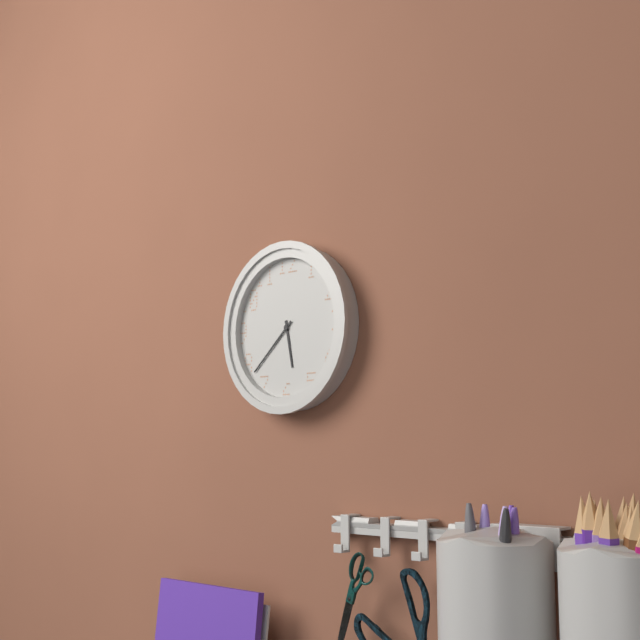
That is 5:38
